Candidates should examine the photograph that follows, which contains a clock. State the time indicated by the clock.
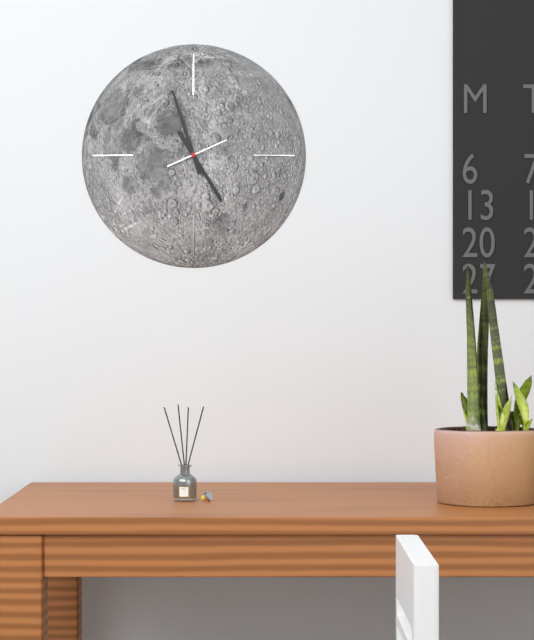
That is 4:57
